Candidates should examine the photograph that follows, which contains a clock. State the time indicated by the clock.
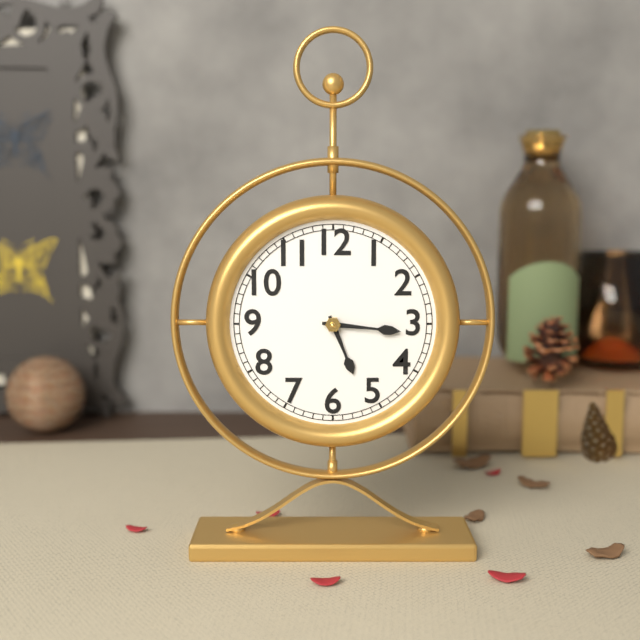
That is 5:16
